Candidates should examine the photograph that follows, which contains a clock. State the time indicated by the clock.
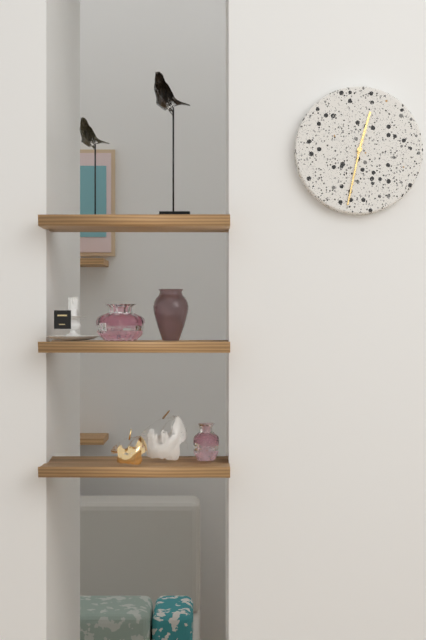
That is 12:32
